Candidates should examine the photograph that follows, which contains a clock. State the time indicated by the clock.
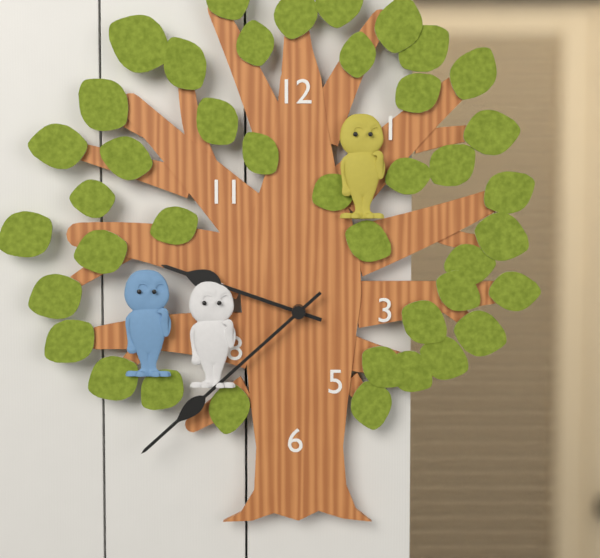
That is 9:38
